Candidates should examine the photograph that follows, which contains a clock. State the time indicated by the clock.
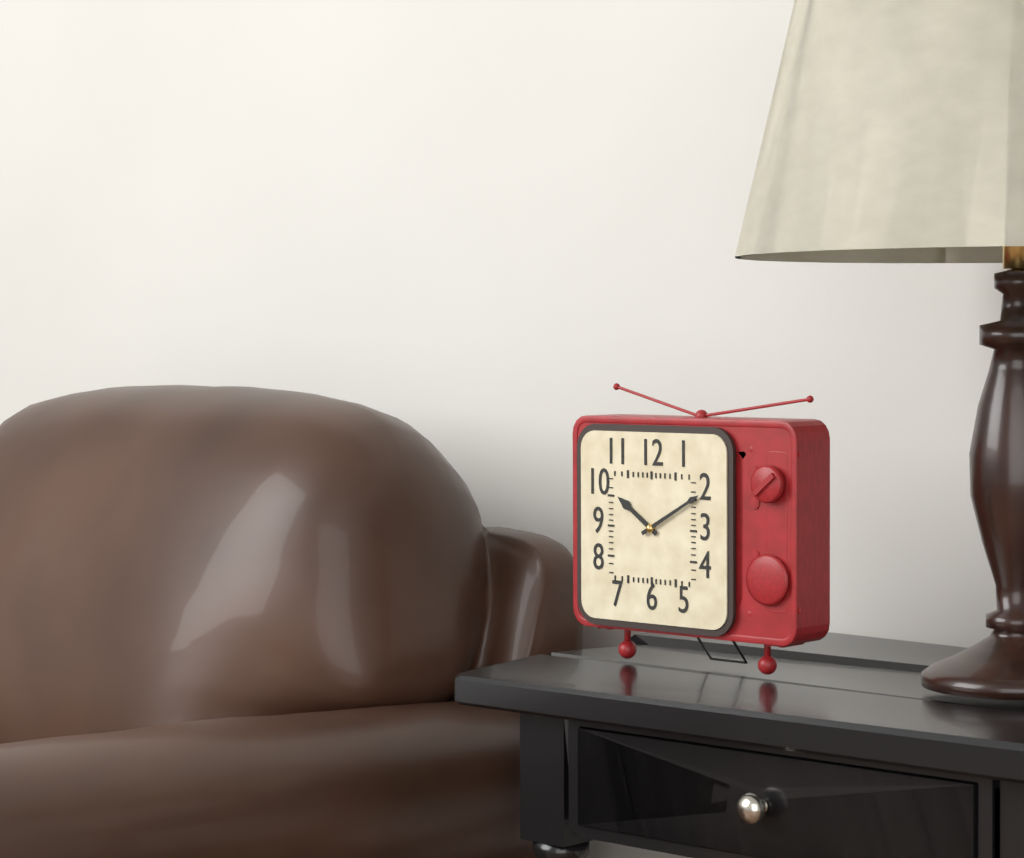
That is 10:10
